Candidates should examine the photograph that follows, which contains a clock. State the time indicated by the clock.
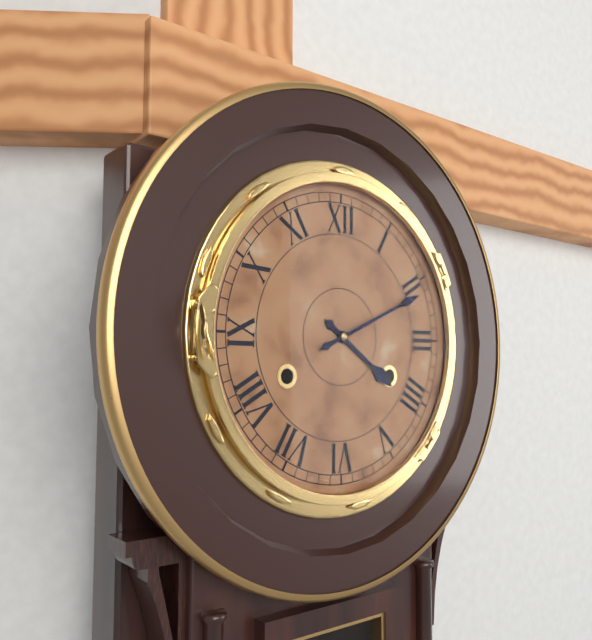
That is 4:11
